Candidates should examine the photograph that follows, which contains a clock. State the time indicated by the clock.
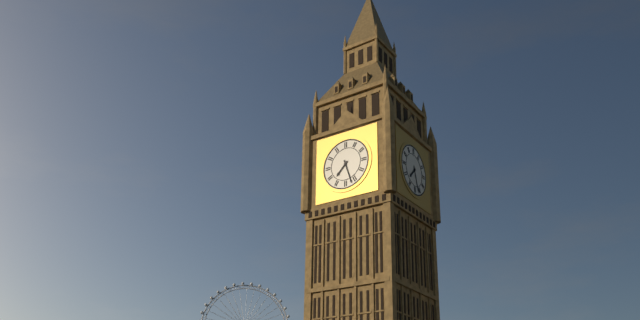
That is 7:27
